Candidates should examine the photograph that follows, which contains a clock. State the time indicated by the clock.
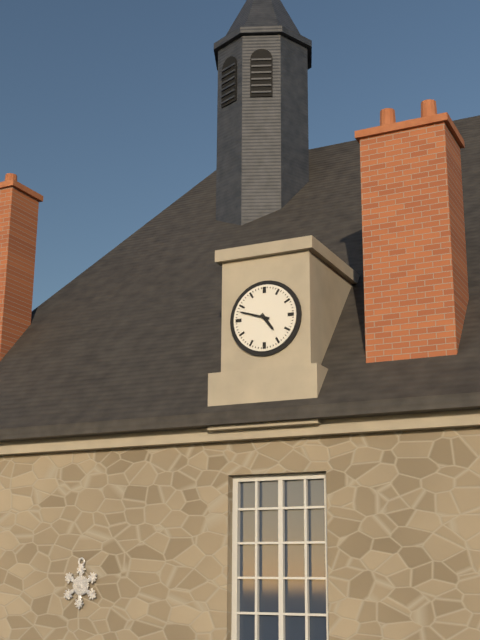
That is 4:48
